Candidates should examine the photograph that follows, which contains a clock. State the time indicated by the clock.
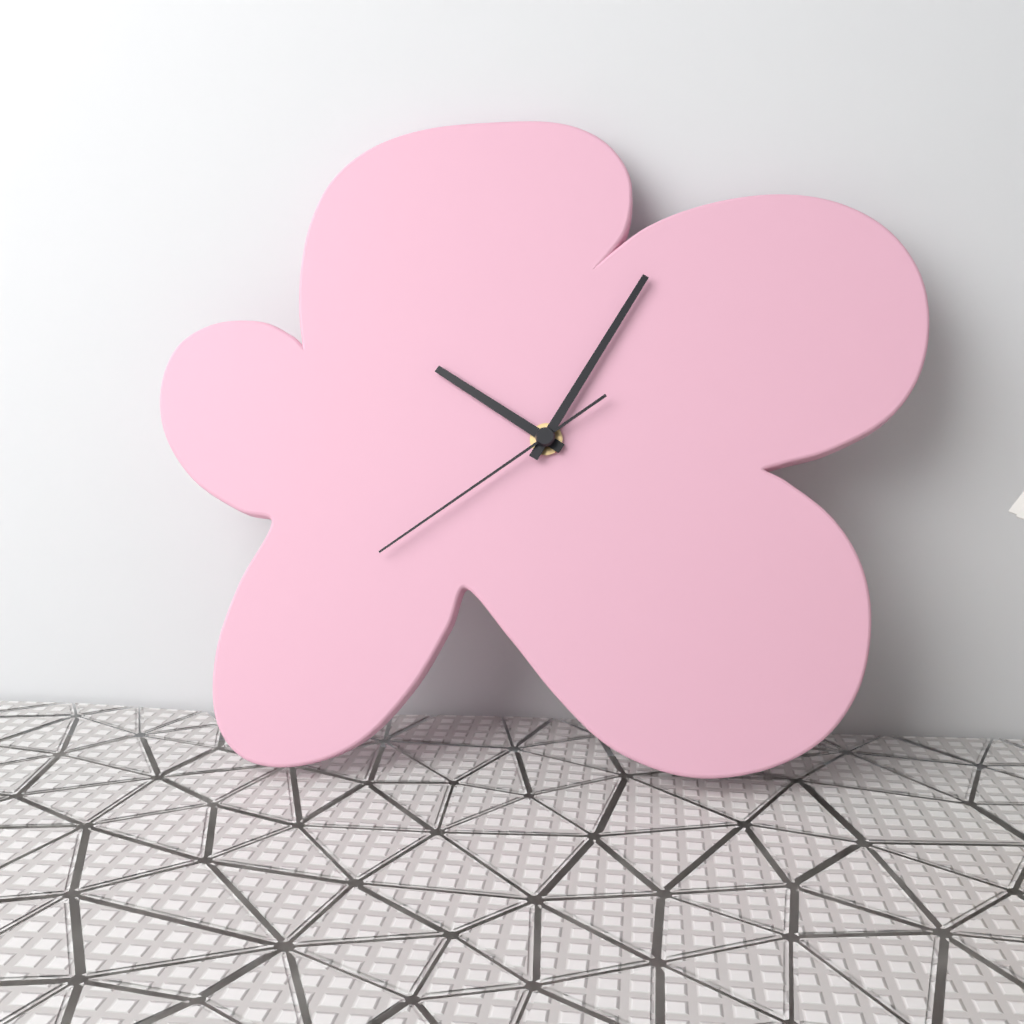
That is 10:05:39
